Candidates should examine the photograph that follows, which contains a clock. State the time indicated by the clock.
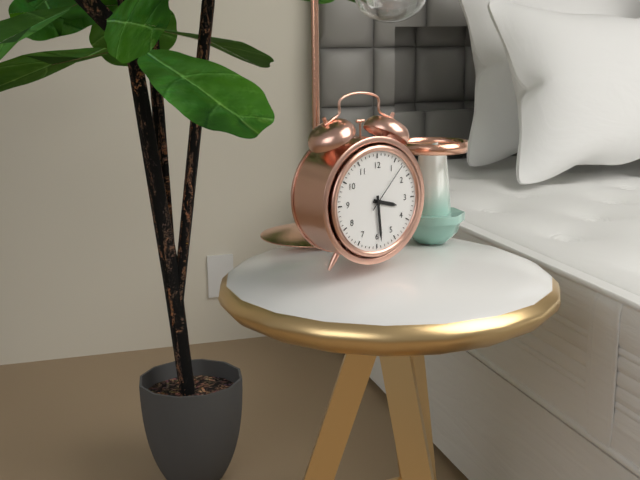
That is 3:29:07
